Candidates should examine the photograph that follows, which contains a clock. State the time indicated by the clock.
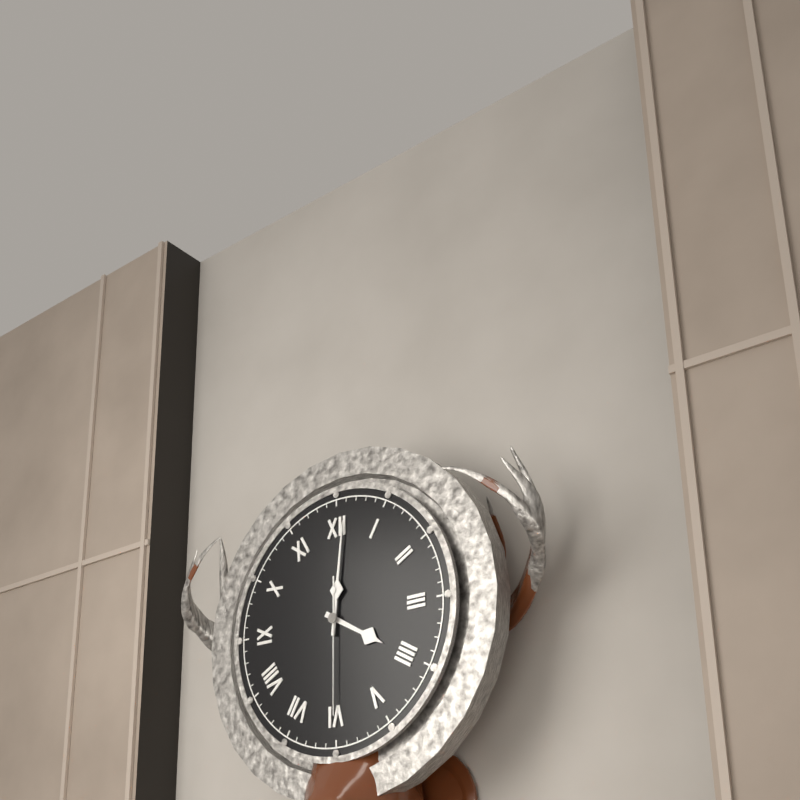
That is 4:01:30
